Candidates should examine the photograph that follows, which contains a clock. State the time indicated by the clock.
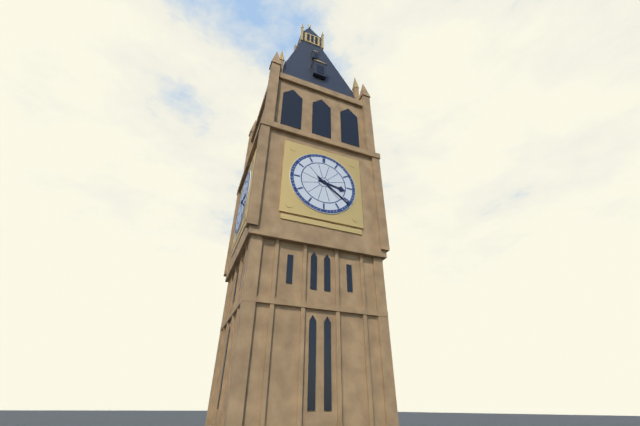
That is 3:21
